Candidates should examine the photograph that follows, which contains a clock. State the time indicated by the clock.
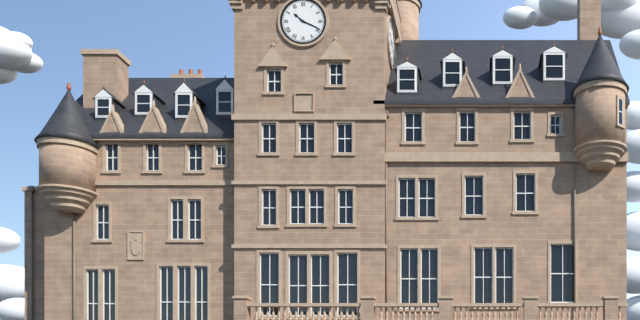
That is 10:19
